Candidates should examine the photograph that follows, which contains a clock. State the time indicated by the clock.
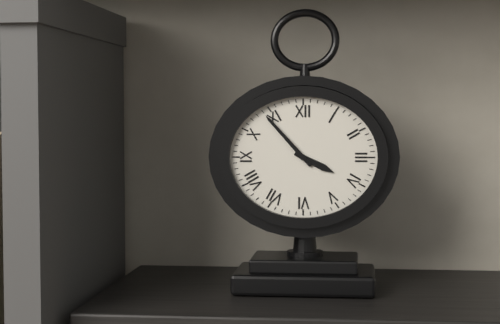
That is 3:53
